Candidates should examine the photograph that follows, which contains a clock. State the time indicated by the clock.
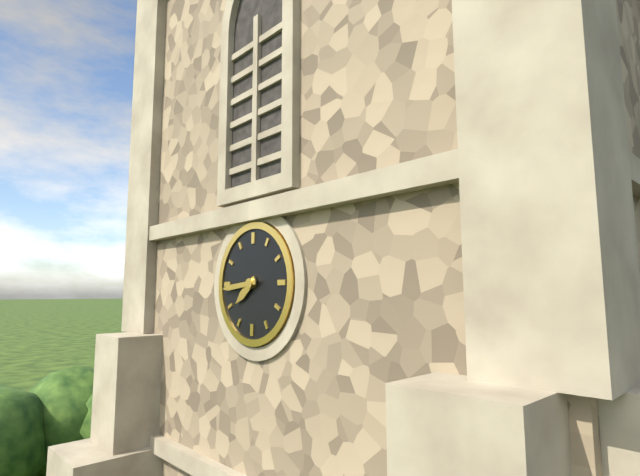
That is 7:44
